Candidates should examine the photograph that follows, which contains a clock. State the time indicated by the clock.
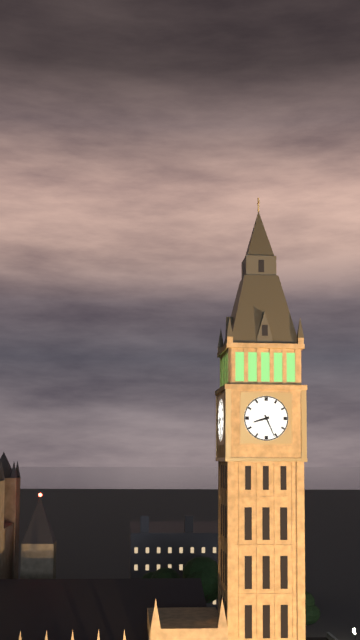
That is 8:26
